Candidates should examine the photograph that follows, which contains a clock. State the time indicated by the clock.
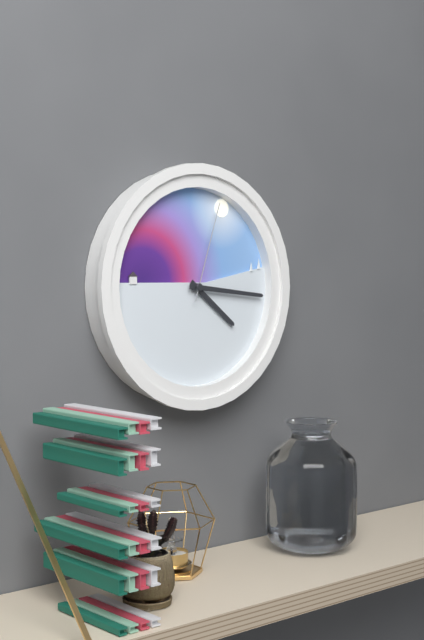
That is 4:16:03
